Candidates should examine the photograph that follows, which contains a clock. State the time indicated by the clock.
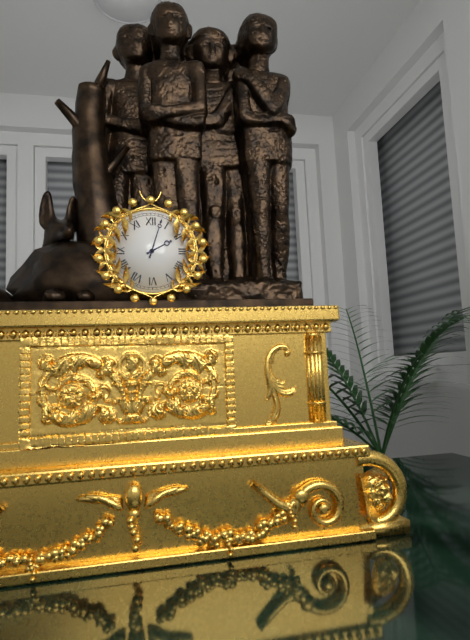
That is 2:03
